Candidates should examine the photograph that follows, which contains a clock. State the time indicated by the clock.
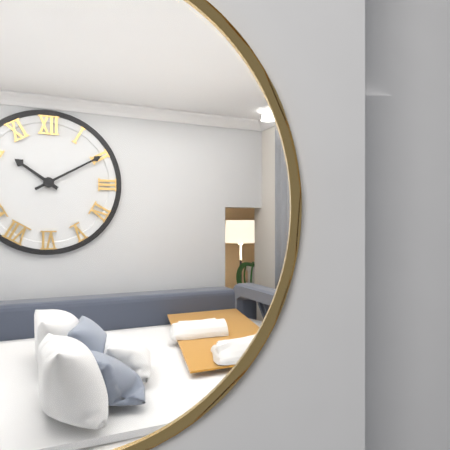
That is 10:10
